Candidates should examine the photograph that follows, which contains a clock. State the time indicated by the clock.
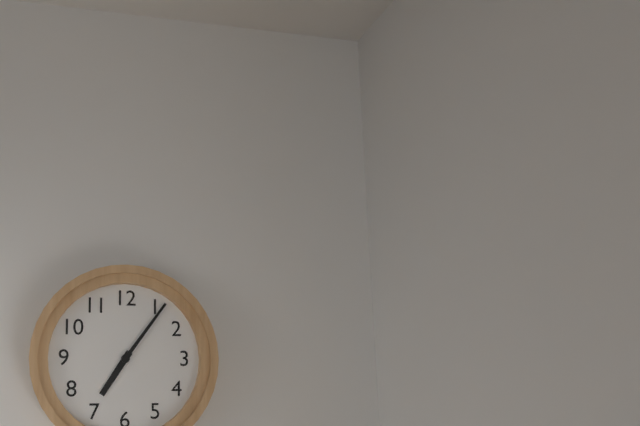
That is 7:06
